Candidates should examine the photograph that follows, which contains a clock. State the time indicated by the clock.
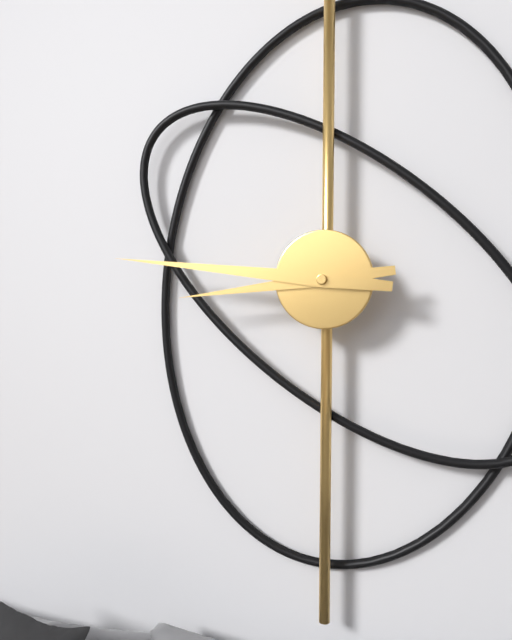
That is 8:46
